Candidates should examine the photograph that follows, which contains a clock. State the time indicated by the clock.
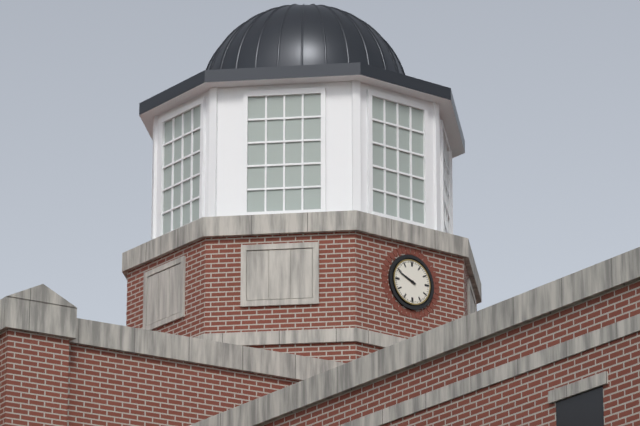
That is 9:49
